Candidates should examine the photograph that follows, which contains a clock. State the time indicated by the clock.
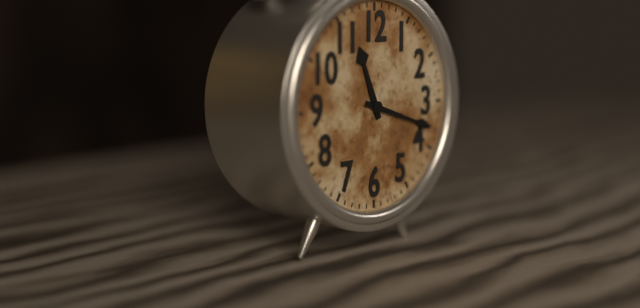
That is 11:18
